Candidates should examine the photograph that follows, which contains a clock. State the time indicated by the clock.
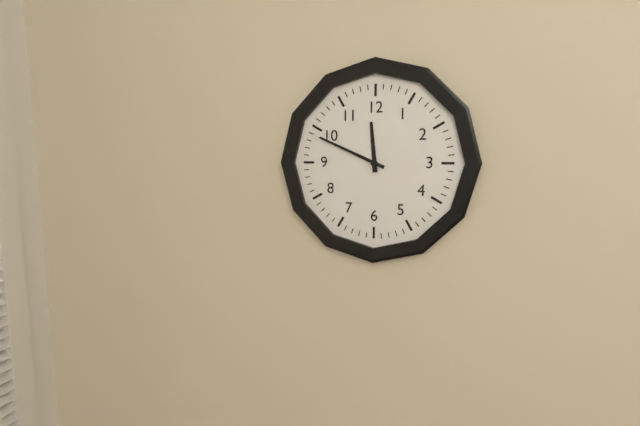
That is 11:49
